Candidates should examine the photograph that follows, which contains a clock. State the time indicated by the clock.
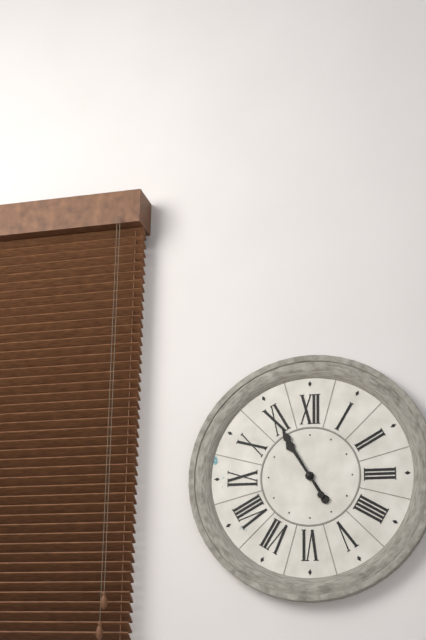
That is 10:55
